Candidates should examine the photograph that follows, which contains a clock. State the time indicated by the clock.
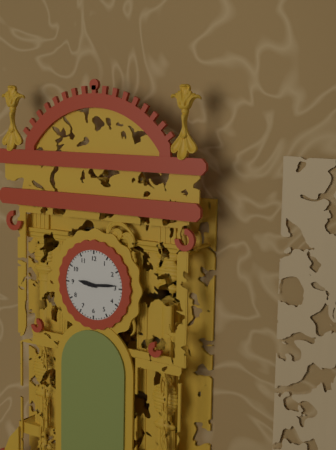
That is 9:14
